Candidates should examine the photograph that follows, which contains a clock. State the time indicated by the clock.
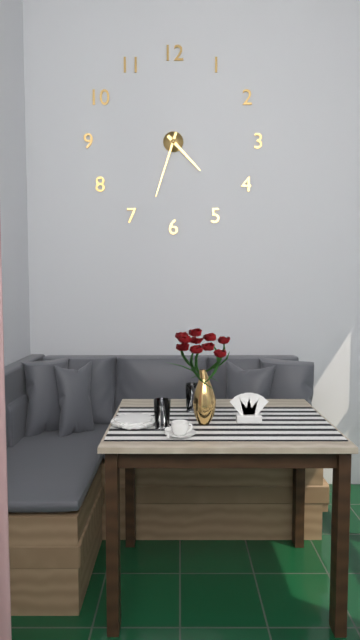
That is 4:33
